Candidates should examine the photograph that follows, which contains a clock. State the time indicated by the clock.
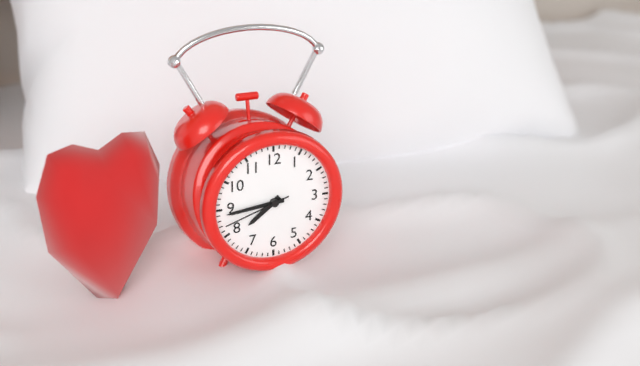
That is 7:44:42
